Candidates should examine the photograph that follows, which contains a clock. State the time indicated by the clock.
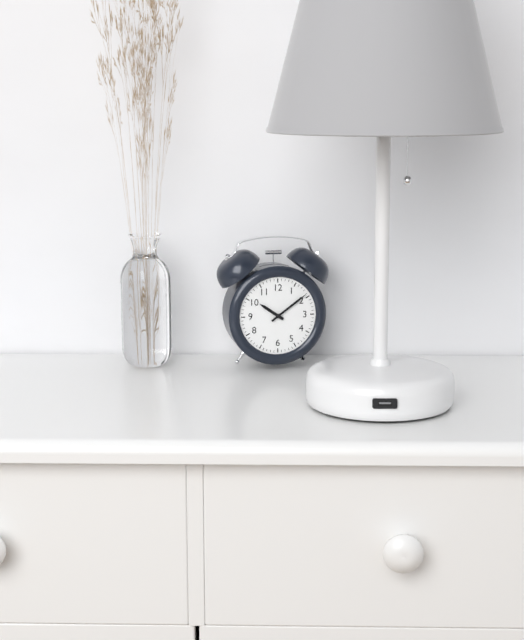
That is 10:09
